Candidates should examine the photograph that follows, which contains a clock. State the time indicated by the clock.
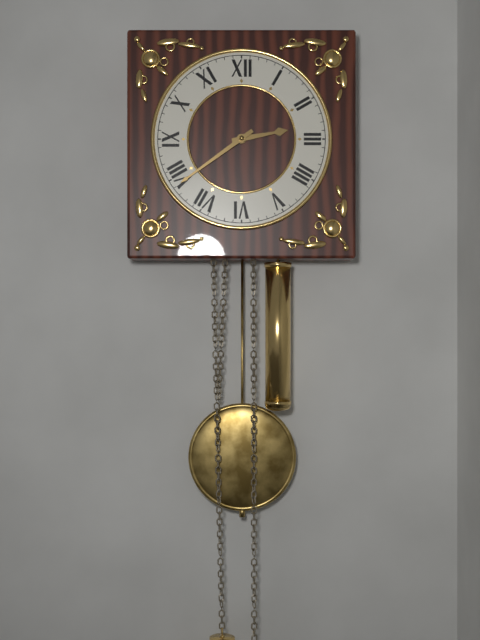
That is 2:39
